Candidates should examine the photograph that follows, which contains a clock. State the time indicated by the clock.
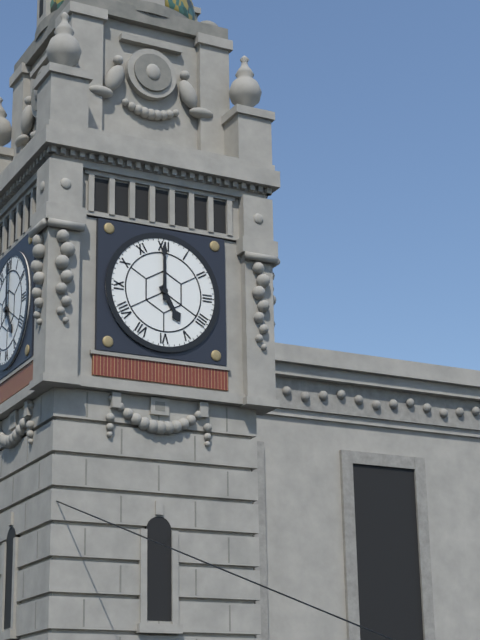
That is 5:00
